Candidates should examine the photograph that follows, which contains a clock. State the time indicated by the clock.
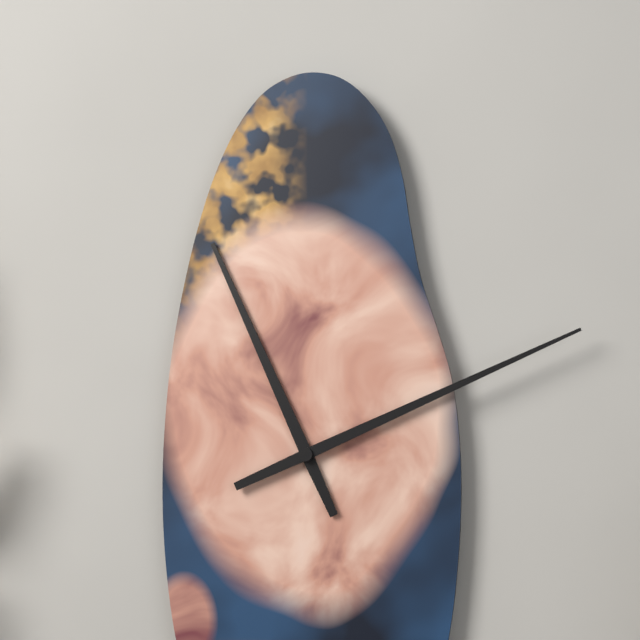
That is 11:11
